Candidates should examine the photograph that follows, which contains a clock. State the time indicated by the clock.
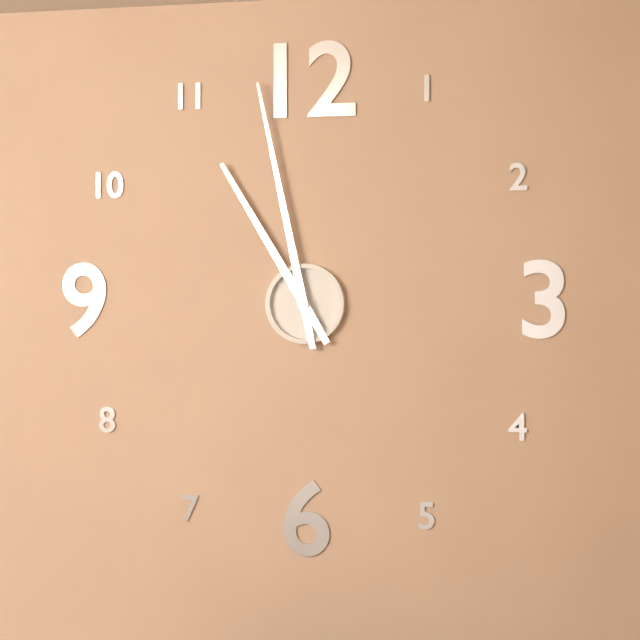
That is 10:58
